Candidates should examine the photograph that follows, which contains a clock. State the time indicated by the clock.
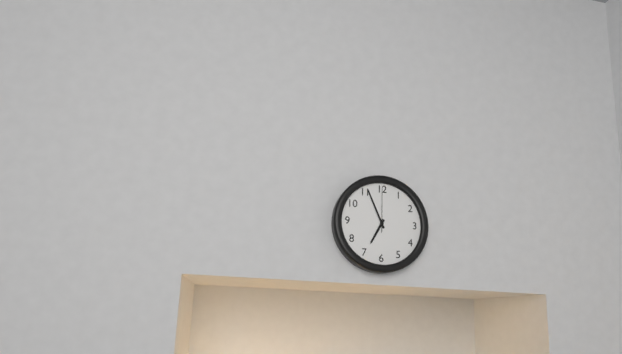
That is 6:56
